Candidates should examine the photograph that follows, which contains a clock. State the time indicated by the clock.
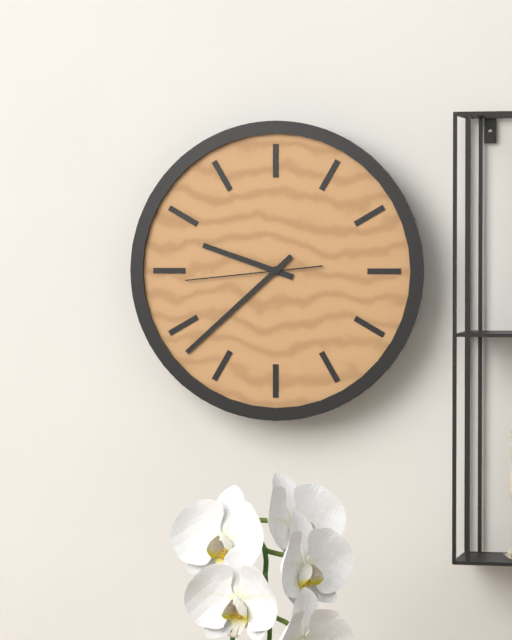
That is 9:38:44
